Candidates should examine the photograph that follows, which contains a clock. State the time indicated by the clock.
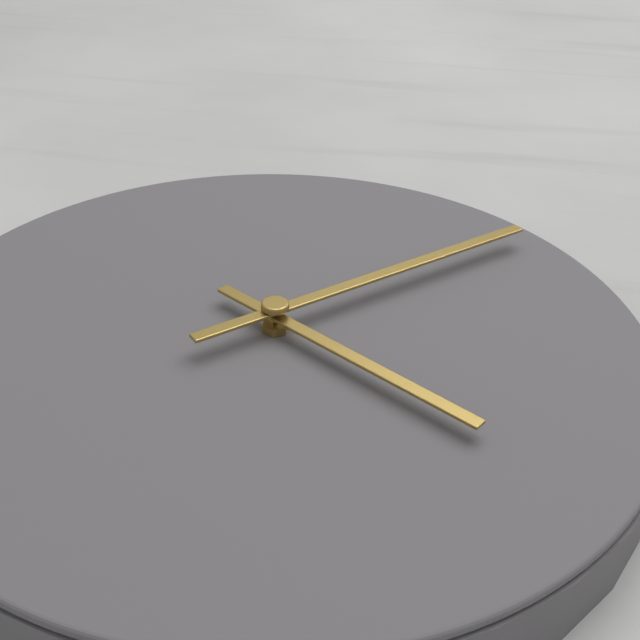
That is 4:08
